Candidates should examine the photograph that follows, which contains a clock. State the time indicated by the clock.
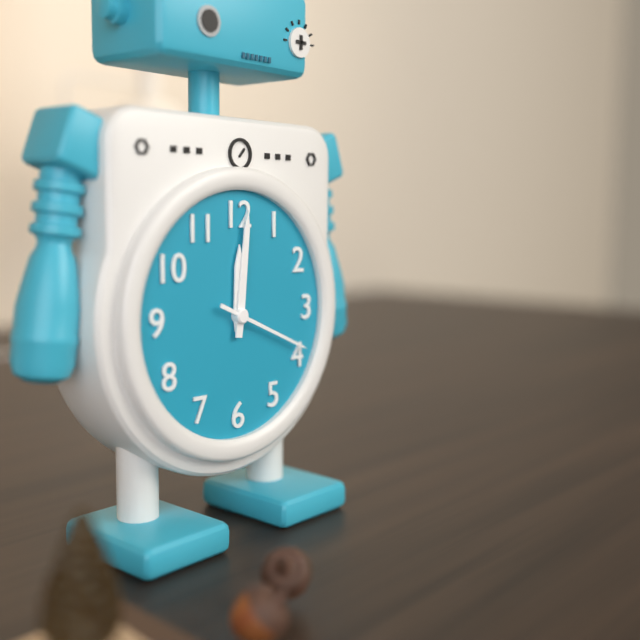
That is 12:01:19
